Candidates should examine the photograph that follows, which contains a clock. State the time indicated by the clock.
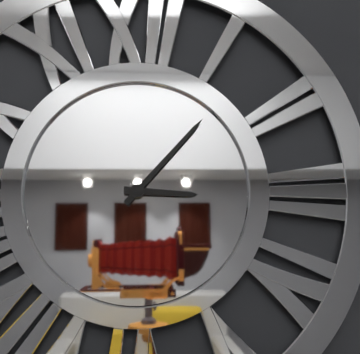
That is 3:07
